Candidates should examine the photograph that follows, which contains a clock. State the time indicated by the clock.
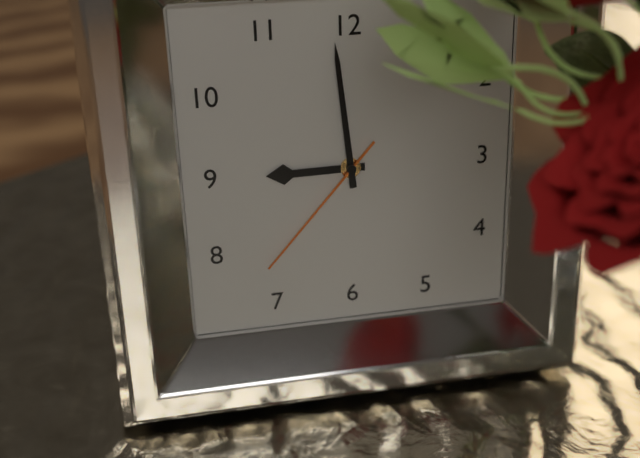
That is 8:59:37
